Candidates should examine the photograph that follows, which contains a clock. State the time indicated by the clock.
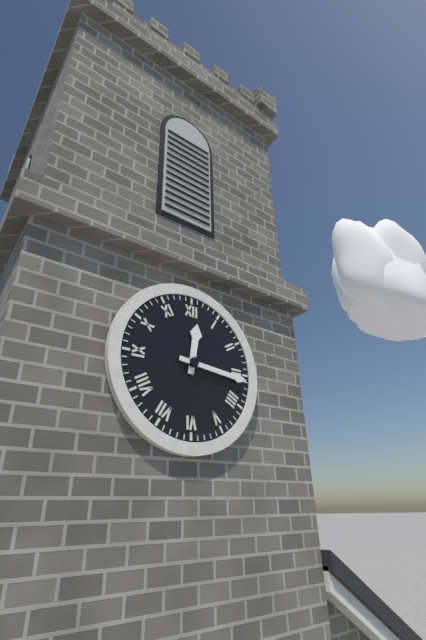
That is 12:16
